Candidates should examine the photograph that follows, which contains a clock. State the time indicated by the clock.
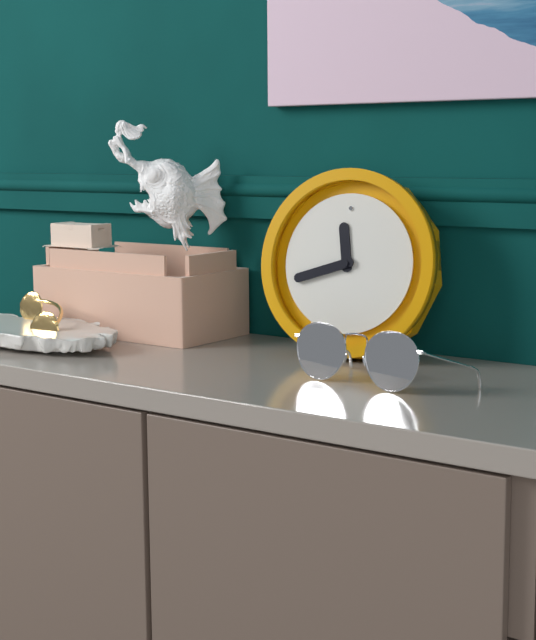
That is 11:42
